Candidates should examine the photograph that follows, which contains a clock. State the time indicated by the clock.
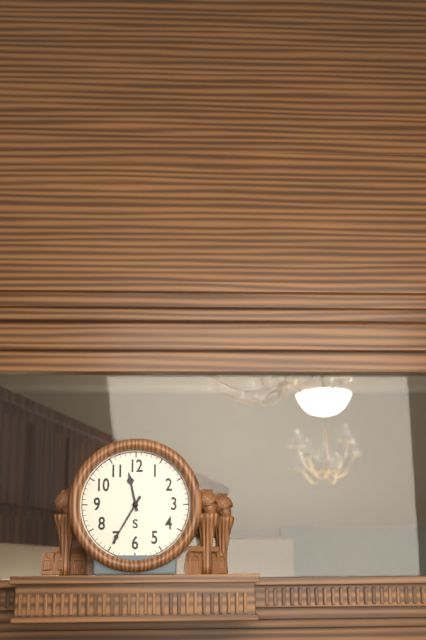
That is 11:35
